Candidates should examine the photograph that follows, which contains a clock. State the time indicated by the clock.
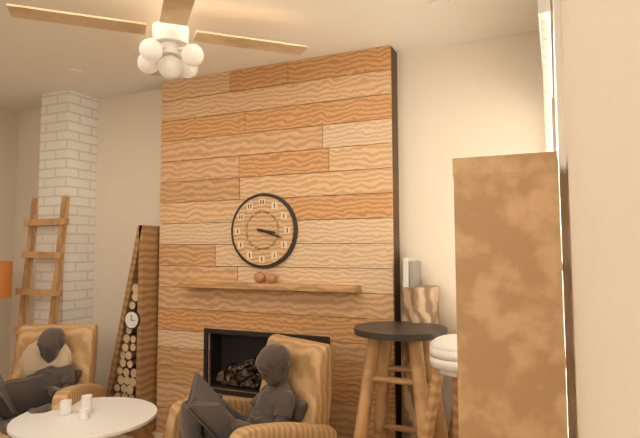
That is 3:18
